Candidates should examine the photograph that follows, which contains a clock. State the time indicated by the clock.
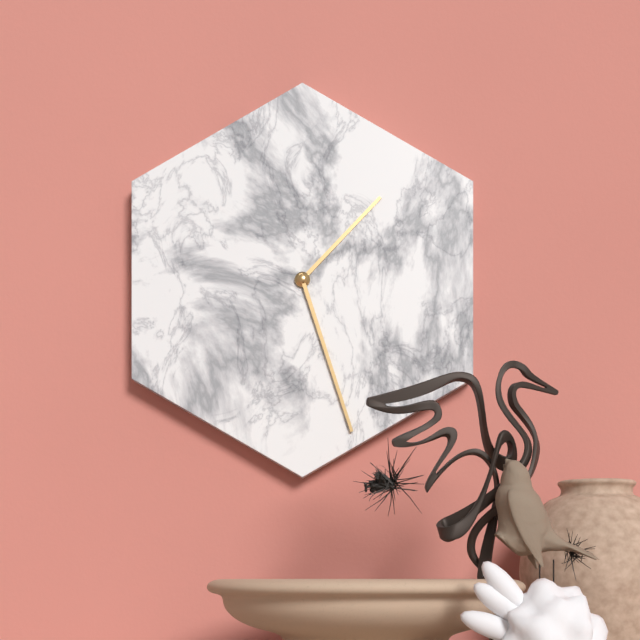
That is 1:27
